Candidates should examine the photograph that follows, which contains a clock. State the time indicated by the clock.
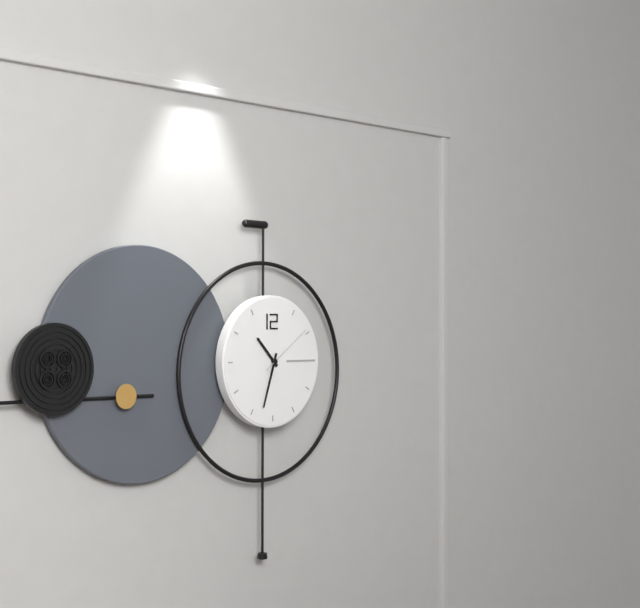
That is 10:33:09
